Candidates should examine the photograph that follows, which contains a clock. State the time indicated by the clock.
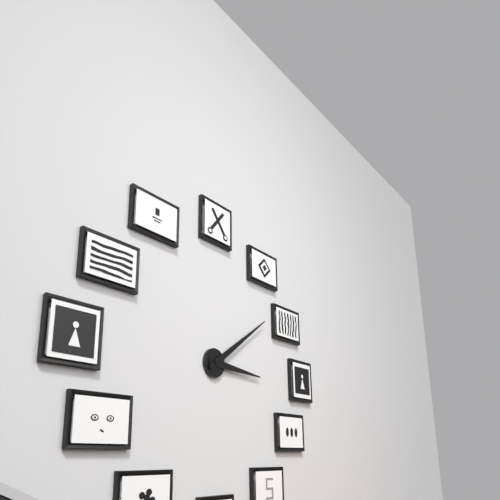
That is 3:09
